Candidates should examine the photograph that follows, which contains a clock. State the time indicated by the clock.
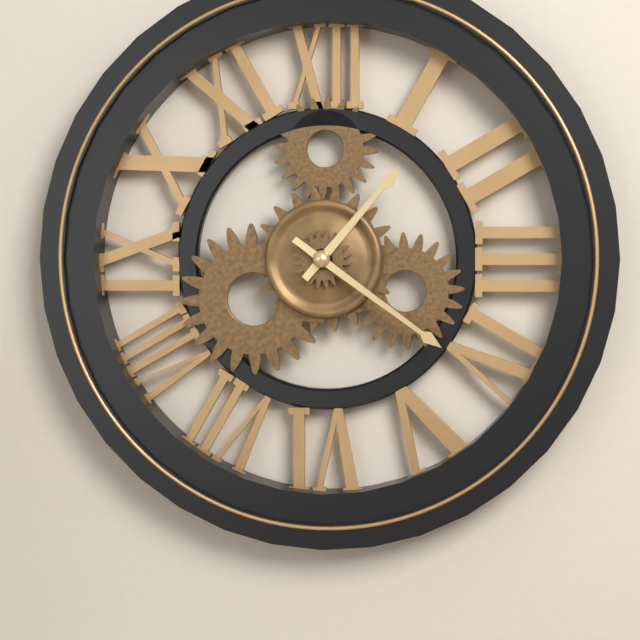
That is 1:21
